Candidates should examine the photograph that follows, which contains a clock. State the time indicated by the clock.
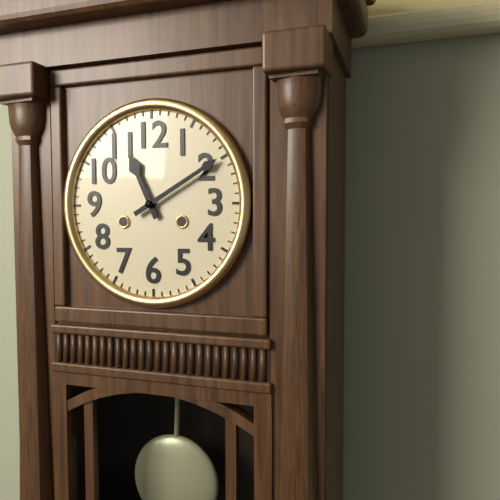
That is 11:10
